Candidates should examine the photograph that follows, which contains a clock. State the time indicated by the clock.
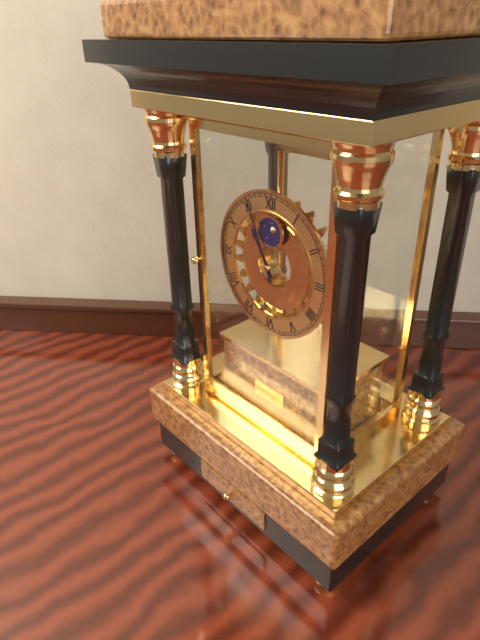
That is 10:56
